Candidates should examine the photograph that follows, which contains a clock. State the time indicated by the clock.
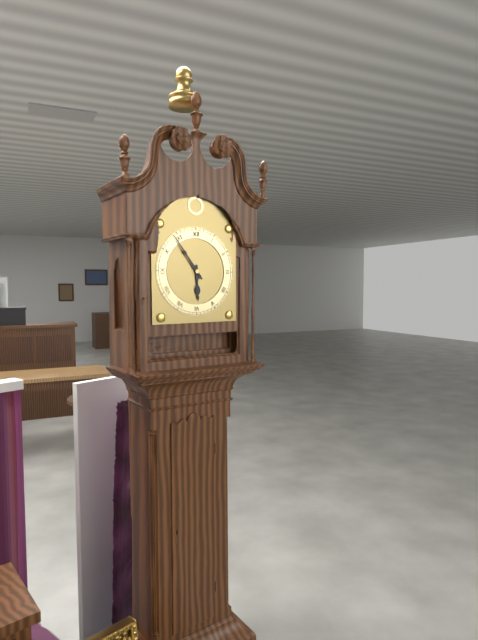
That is 5:54
